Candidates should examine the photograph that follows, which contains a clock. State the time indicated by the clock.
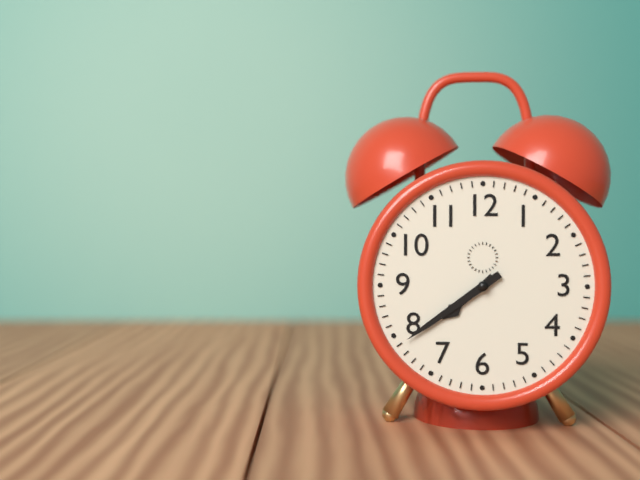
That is 7:39
